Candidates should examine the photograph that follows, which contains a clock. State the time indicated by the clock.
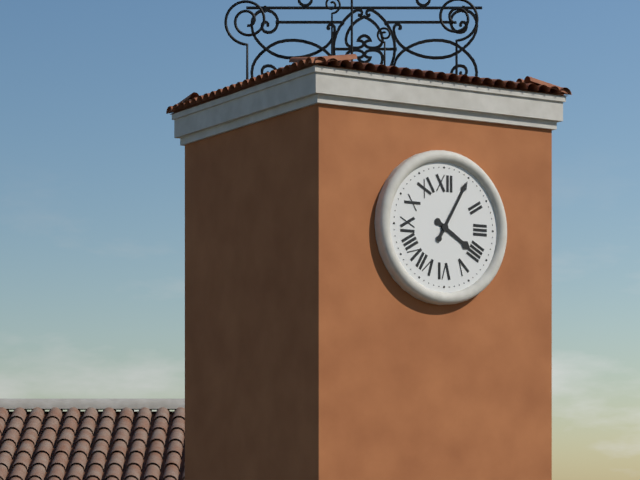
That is 4:05
